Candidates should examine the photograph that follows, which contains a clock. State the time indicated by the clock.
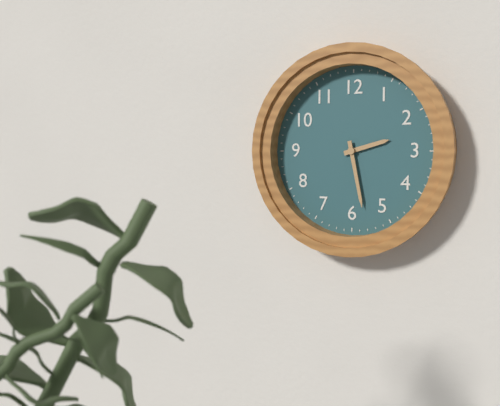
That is 2:28
